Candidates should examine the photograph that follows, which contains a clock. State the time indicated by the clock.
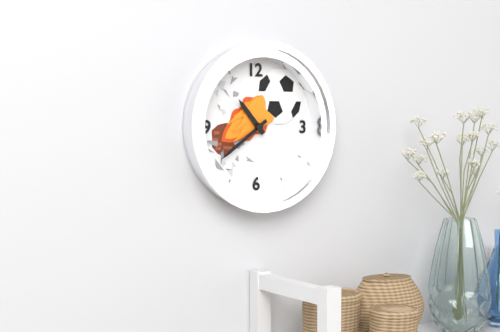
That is 10:39
